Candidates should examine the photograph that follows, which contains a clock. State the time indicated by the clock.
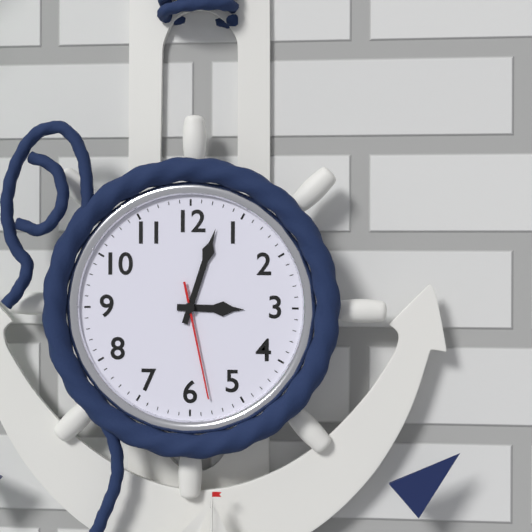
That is 3:03:28
